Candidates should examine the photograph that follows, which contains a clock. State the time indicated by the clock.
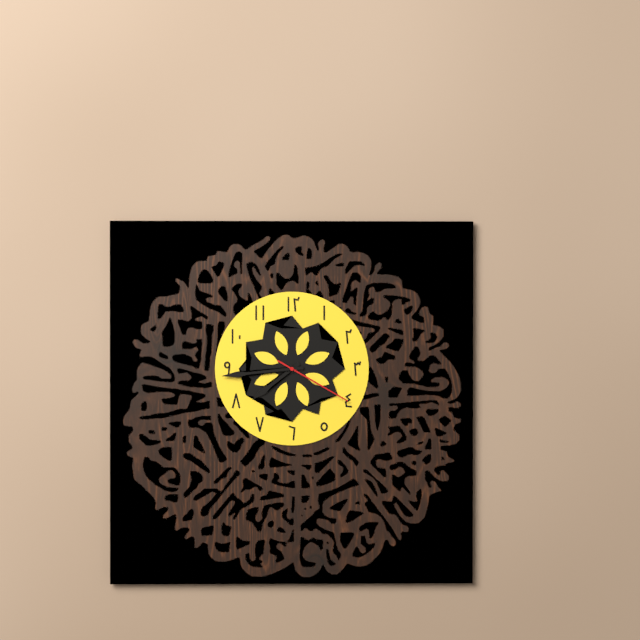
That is 7:44:20
